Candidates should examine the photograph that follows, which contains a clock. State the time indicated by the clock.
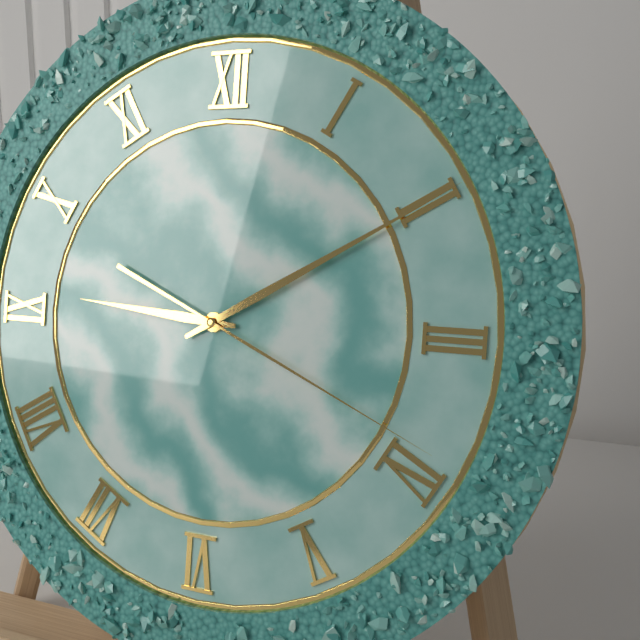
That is 9:10:19
